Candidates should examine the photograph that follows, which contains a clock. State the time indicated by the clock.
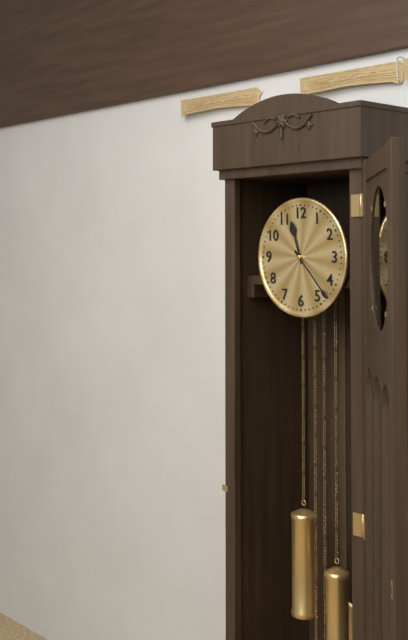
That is 11:23
